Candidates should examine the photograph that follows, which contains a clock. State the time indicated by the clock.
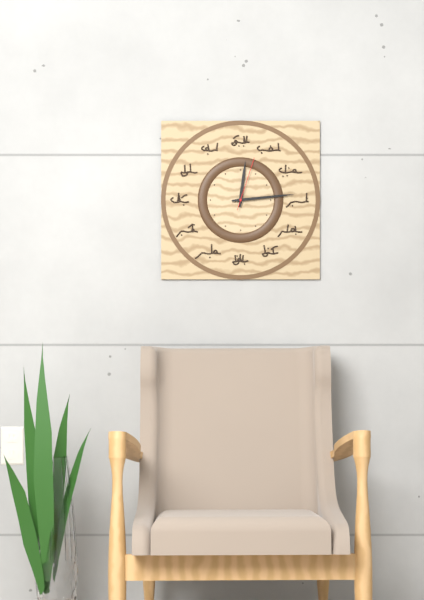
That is 12:14:03
